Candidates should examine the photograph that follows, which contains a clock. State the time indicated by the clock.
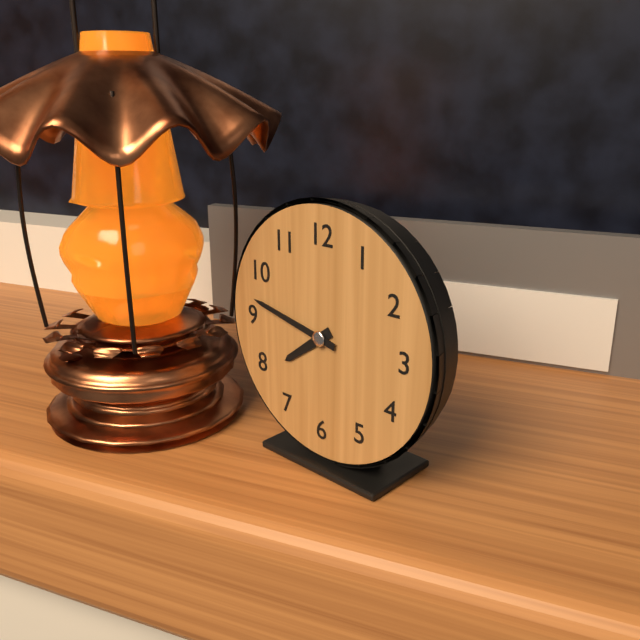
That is 7:47
